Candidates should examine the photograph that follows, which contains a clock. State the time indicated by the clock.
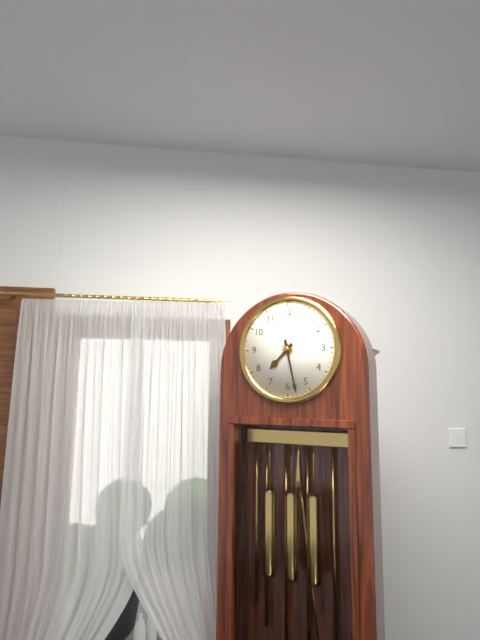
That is 7:28
